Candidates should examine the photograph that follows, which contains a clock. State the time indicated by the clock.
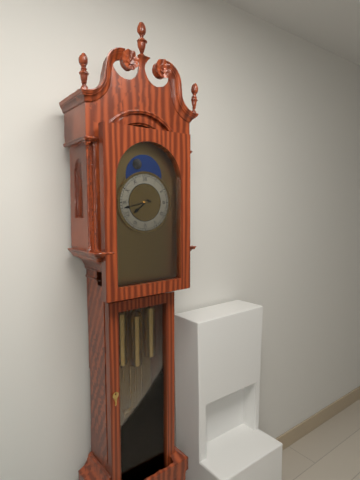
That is 7:43
